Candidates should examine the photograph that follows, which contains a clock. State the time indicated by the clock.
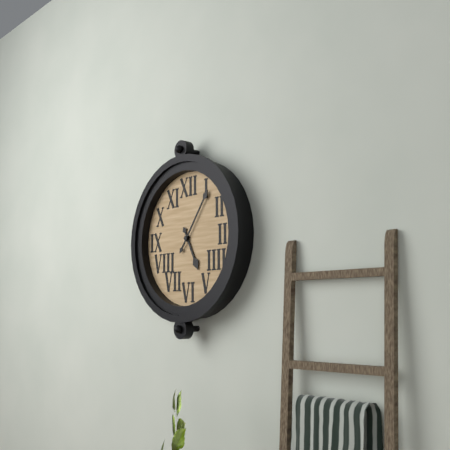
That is 5:06
